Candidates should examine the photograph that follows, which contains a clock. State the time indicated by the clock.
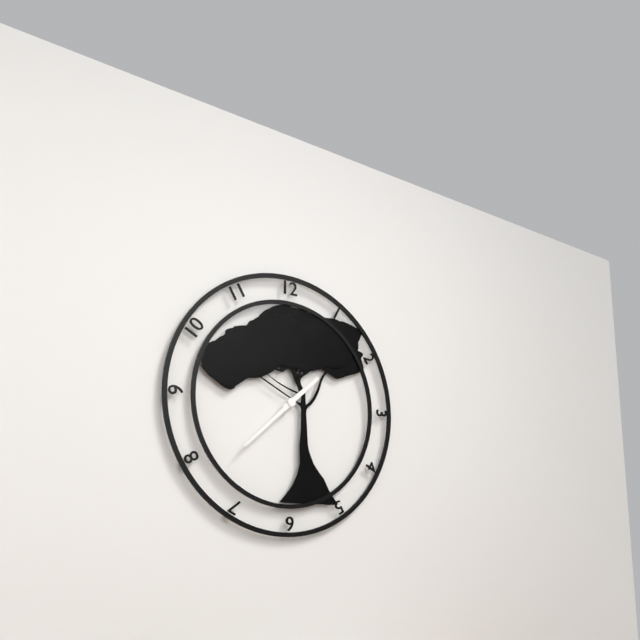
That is 1:38
